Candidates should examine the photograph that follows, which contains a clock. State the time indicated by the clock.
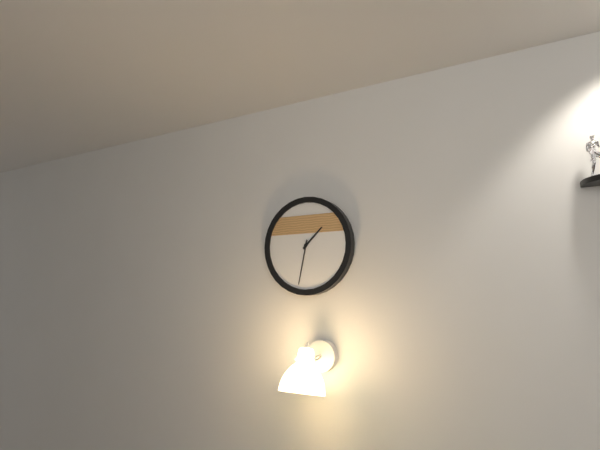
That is 1:32
